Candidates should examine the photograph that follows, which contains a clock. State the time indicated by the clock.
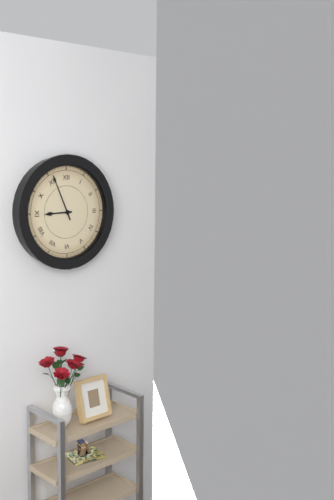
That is 8:56
